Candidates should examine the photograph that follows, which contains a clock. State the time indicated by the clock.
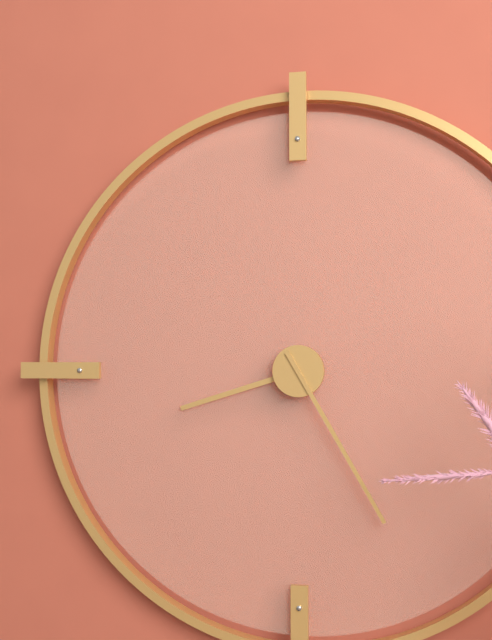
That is 8:25
